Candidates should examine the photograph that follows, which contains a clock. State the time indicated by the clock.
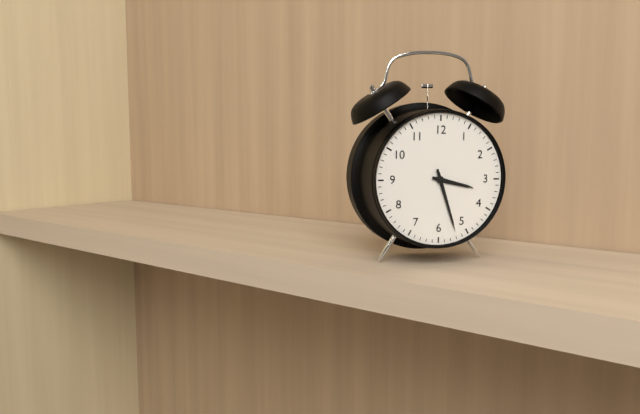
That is 3:27
